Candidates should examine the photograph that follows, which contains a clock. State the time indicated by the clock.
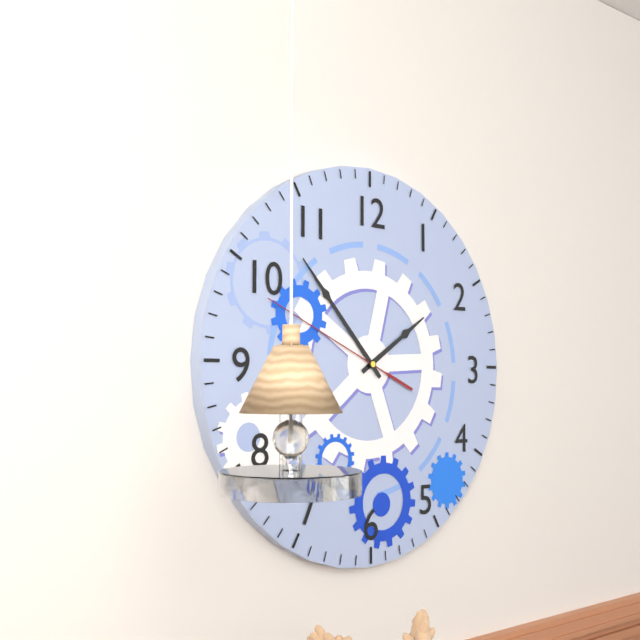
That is 1:53:49
